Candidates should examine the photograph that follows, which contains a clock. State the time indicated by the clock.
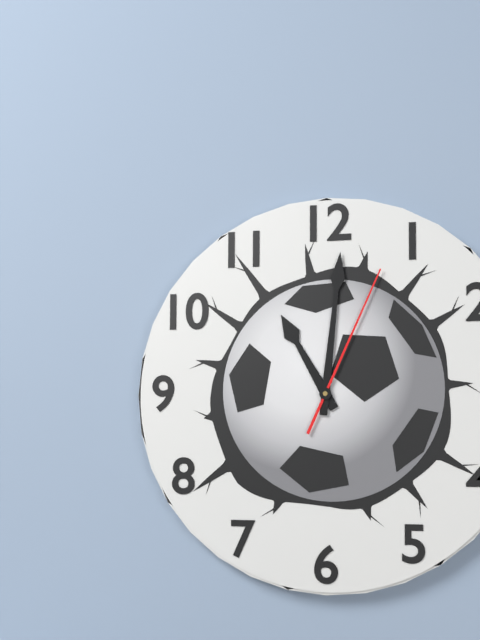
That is 11:01:04
